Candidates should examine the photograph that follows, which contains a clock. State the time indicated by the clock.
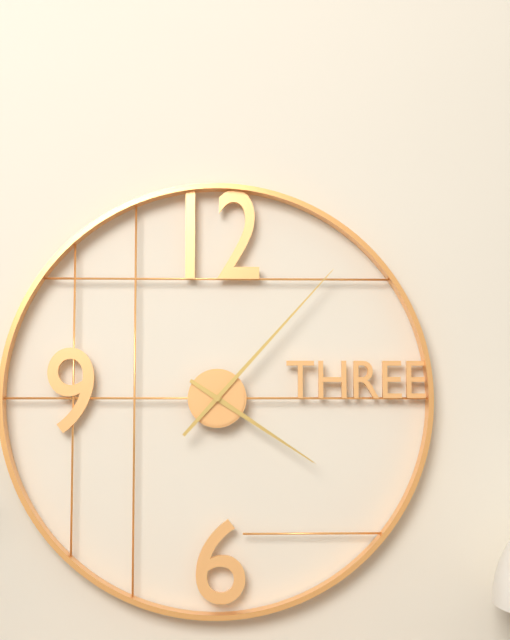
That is 4:07
